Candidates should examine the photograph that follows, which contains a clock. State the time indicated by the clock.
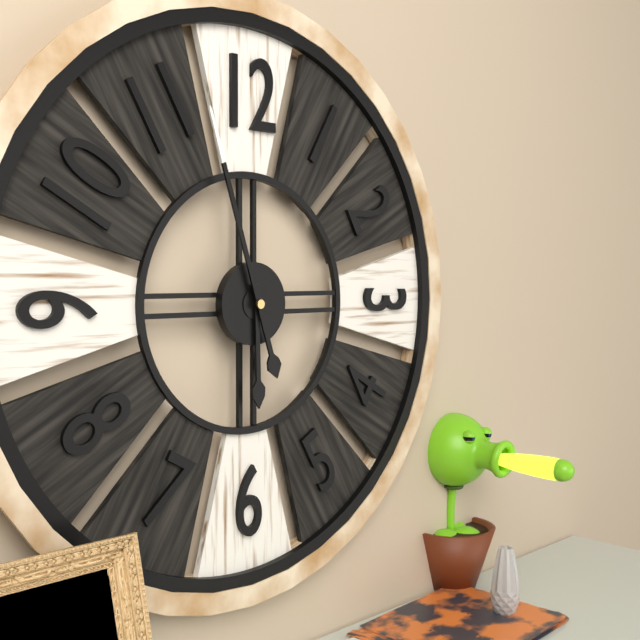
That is 5:57
